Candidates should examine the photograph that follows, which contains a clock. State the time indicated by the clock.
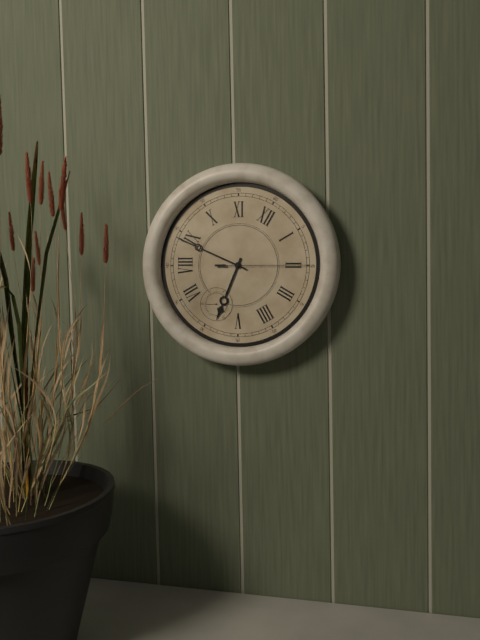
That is 5:44:10
